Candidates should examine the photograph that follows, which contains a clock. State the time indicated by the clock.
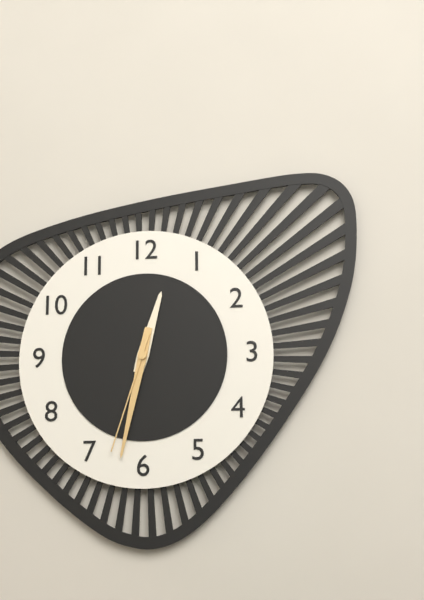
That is 12:32:33
